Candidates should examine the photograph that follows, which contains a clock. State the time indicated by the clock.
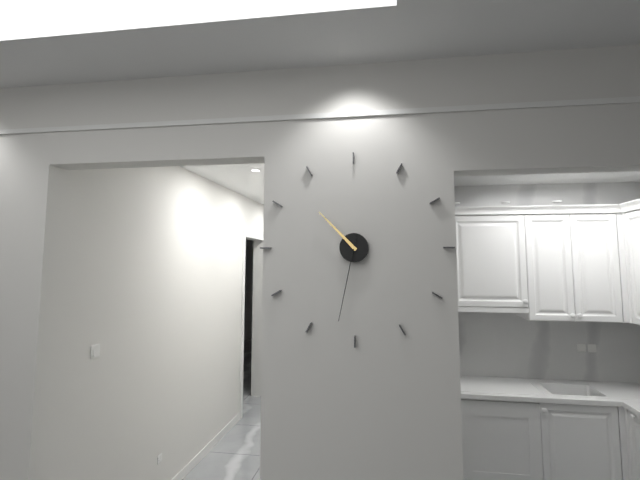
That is 10:32
